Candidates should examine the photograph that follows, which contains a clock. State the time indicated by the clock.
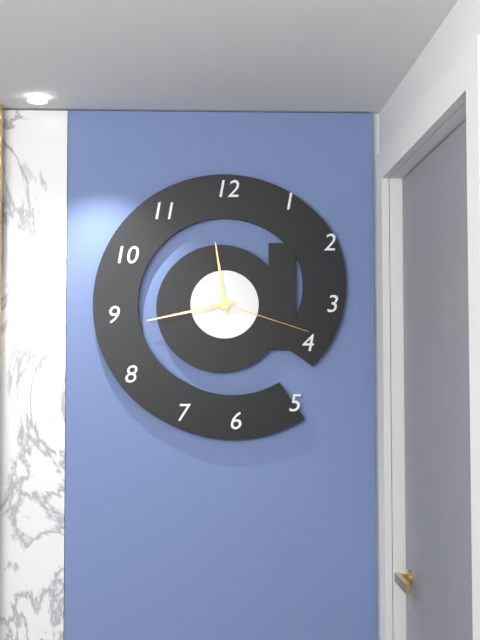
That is 11:43:18
